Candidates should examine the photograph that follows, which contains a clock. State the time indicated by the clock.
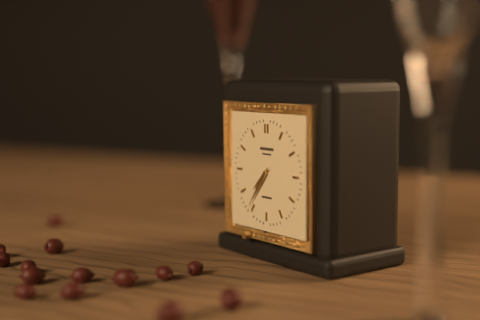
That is 7:36
